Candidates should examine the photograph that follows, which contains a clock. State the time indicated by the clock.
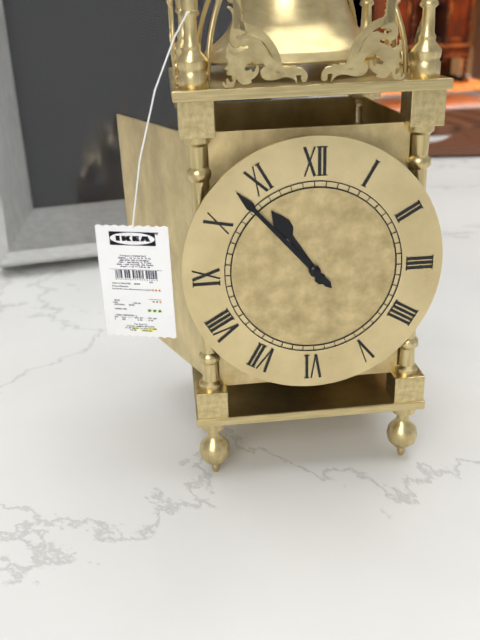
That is 10:53
